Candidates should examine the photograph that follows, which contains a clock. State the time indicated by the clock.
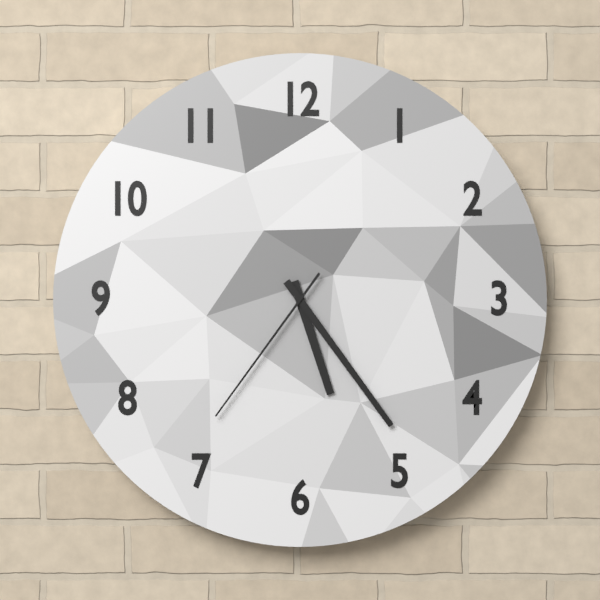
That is 5:24:36
